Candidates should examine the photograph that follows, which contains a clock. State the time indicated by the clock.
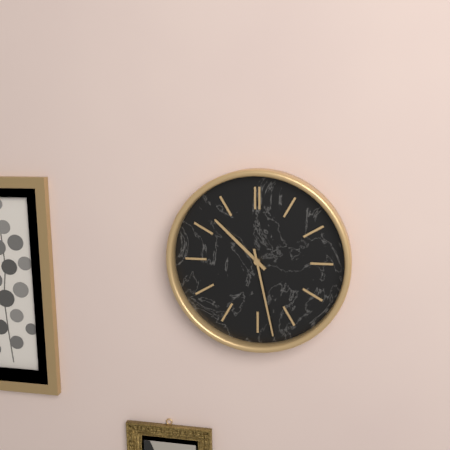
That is 10:28
